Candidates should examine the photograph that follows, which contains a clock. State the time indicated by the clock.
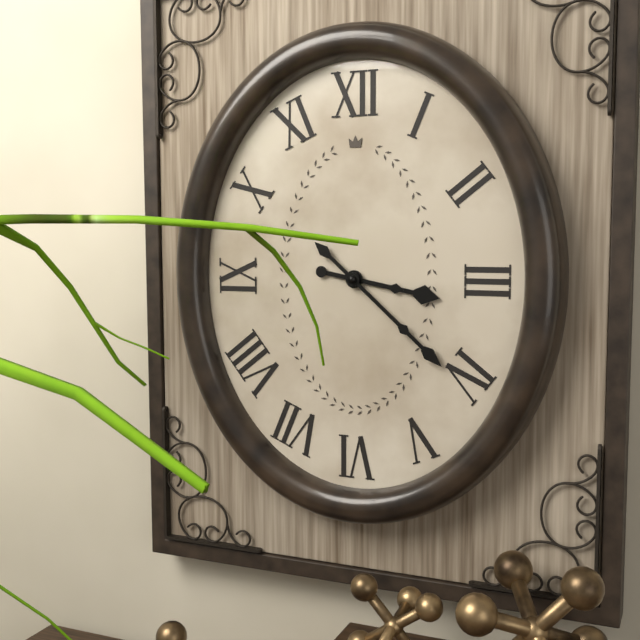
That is 3:22
